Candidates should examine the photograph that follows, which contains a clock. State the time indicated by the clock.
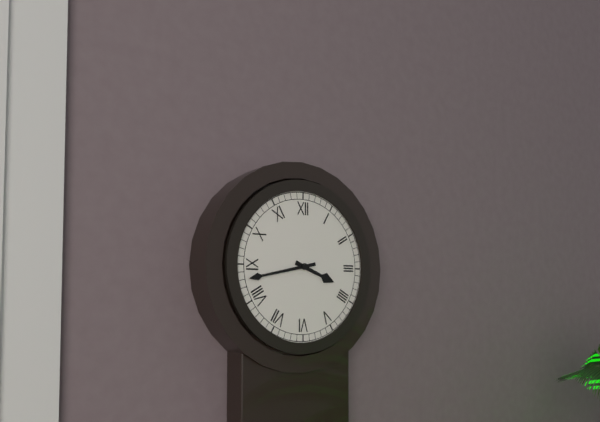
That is 3:43
